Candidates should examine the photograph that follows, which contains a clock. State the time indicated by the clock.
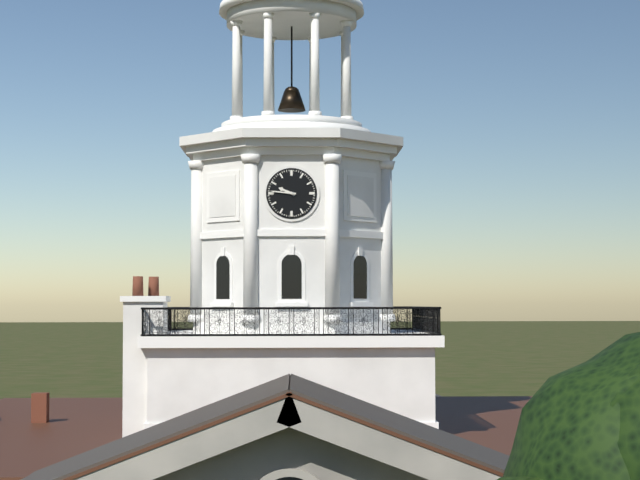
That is 9:46
